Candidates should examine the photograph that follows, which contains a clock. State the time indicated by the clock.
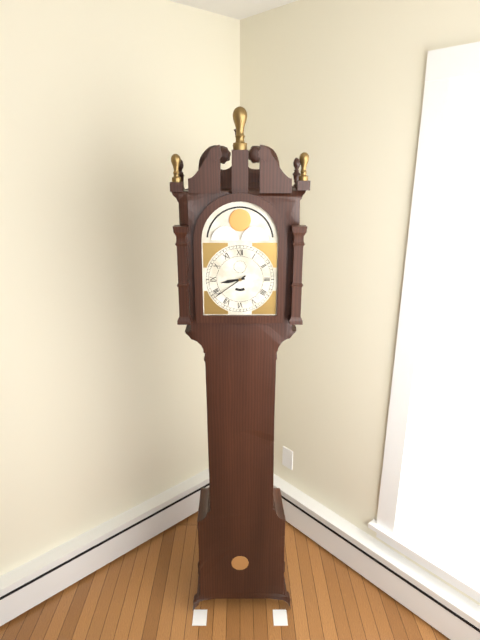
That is 8:39
